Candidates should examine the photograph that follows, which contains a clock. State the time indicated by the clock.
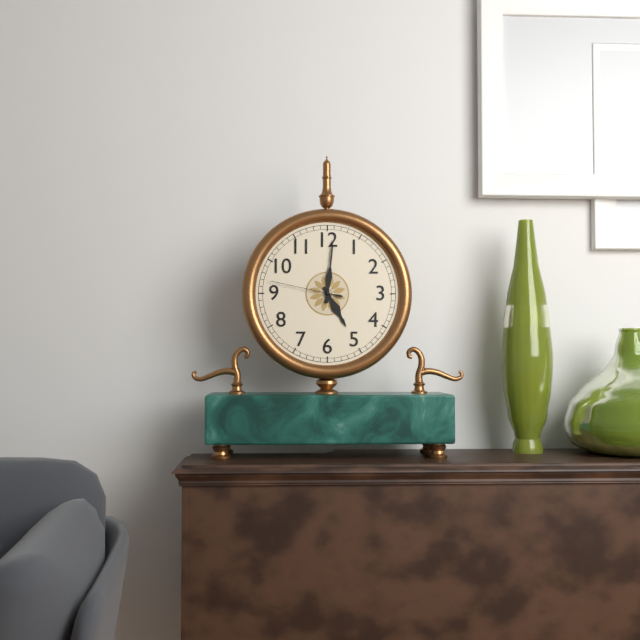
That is 5:01:47
